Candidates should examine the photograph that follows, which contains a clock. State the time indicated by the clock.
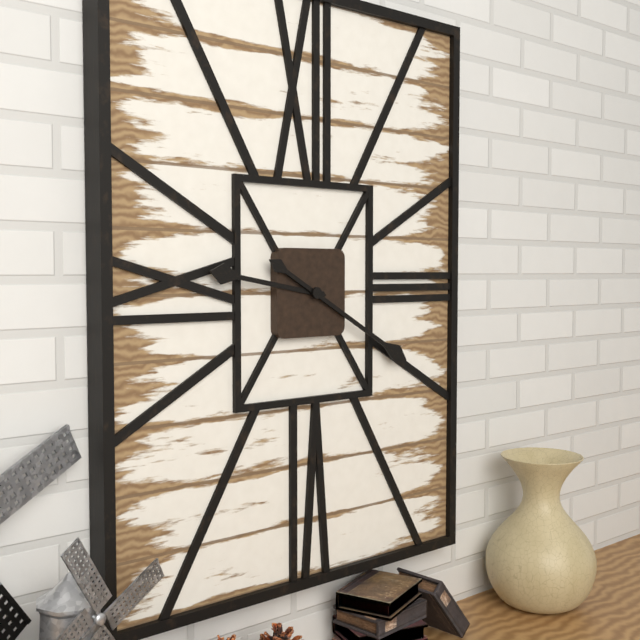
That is 9:20
